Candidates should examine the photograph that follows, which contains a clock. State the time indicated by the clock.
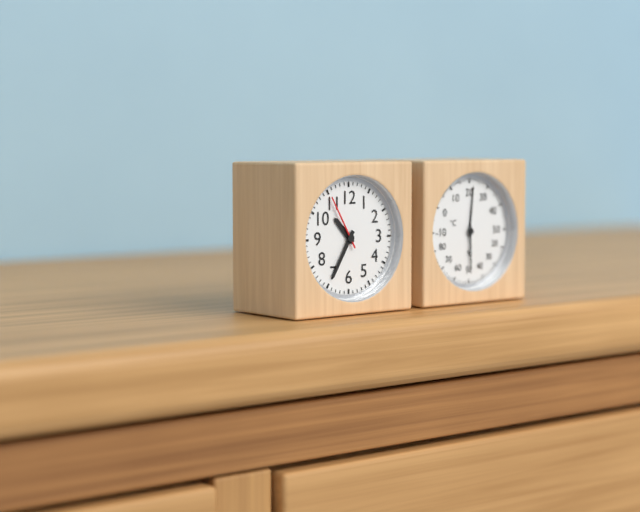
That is 10:35:55
